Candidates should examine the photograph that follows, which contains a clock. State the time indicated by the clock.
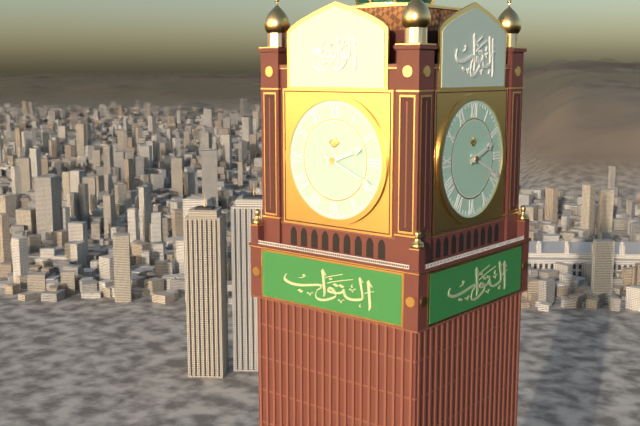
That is 2:19
